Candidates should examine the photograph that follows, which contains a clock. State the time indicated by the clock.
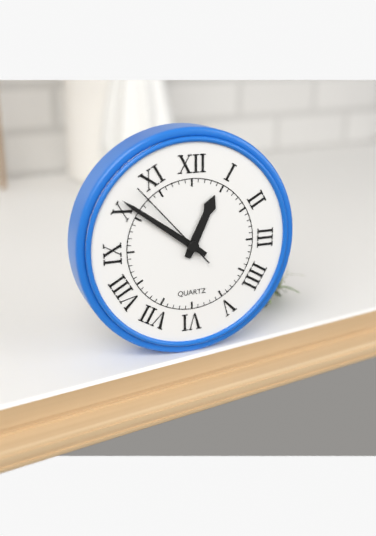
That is 12:51:53
